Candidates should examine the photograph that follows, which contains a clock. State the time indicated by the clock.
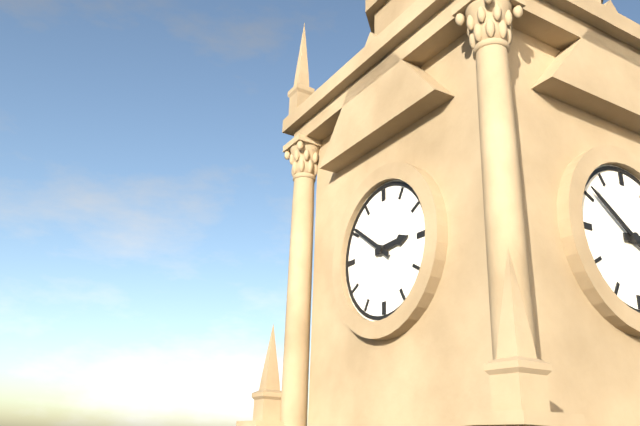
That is 2:51
